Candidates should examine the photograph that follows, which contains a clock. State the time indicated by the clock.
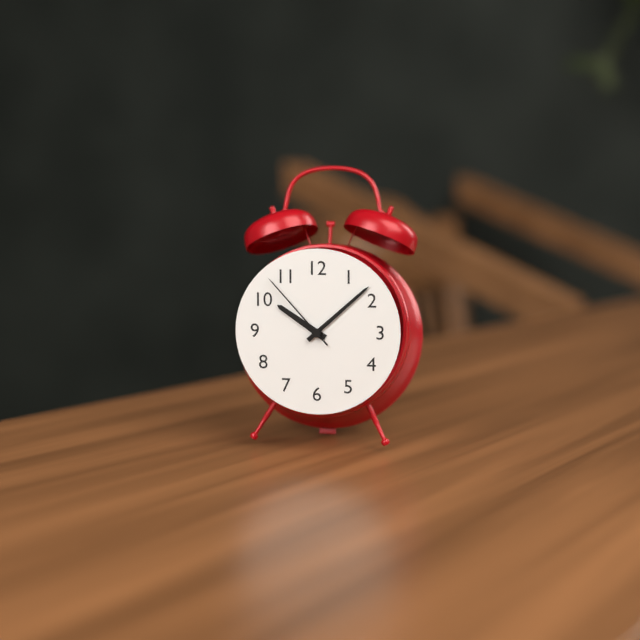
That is 10:08:53
